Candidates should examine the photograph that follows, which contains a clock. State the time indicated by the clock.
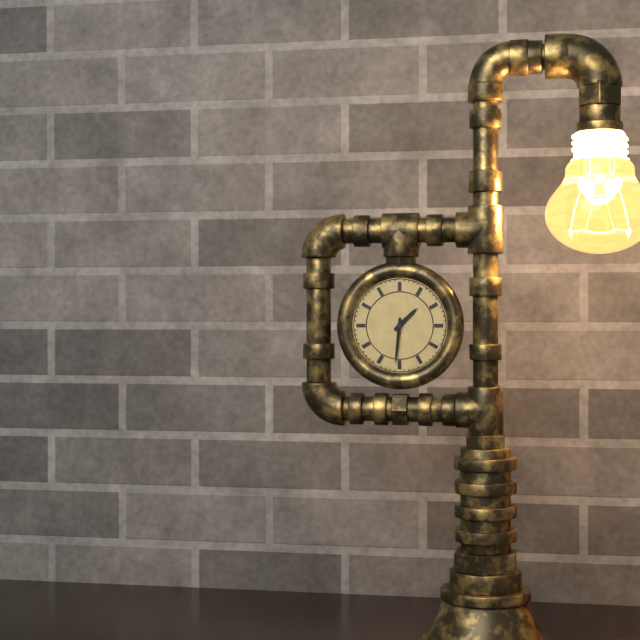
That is 1:31
